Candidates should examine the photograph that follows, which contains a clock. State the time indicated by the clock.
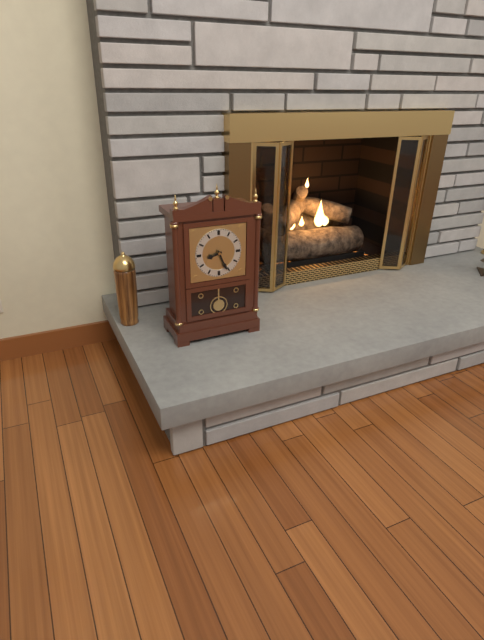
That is 8:26
